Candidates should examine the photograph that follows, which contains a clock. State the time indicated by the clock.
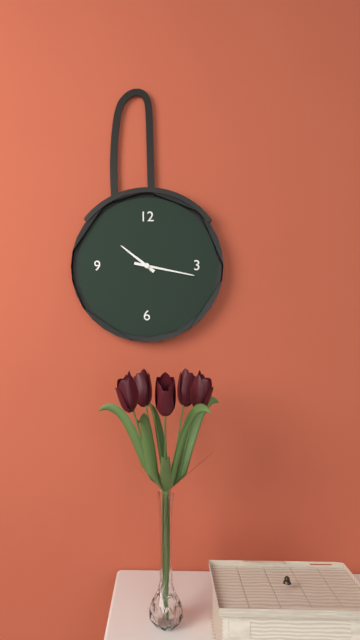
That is 10:17
